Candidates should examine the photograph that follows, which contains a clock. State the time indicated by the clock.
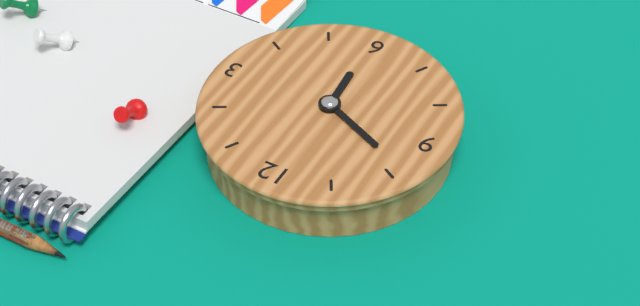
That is 5:49
